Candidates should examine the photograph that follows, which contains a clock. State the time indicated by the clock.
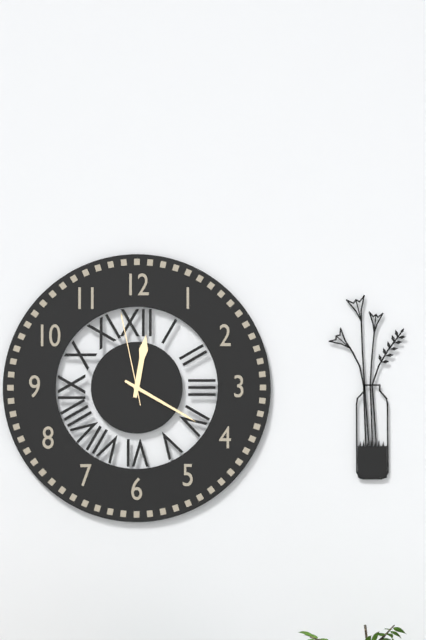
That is 12:20:58
